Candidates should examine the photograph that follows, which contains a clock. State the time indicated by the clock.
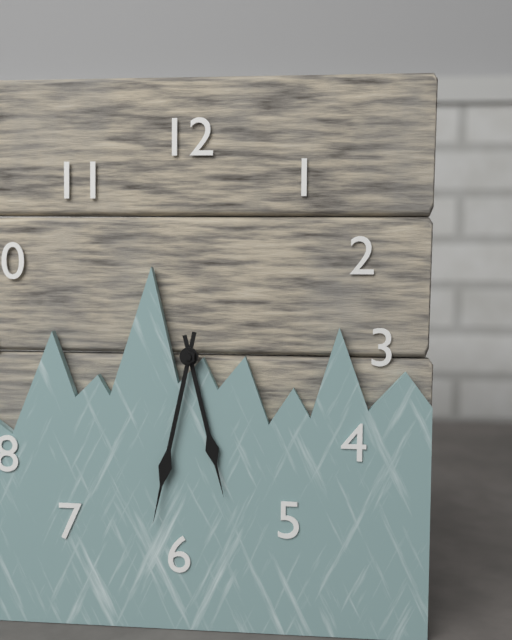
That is 5:32
